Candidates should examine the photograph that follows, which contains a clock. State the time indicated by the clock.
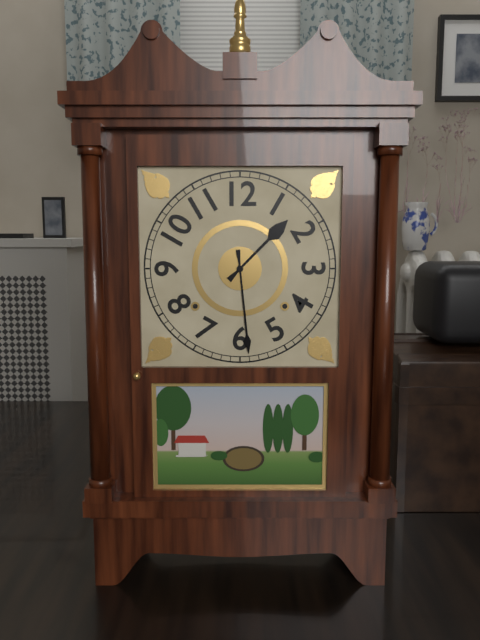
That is 1:29
